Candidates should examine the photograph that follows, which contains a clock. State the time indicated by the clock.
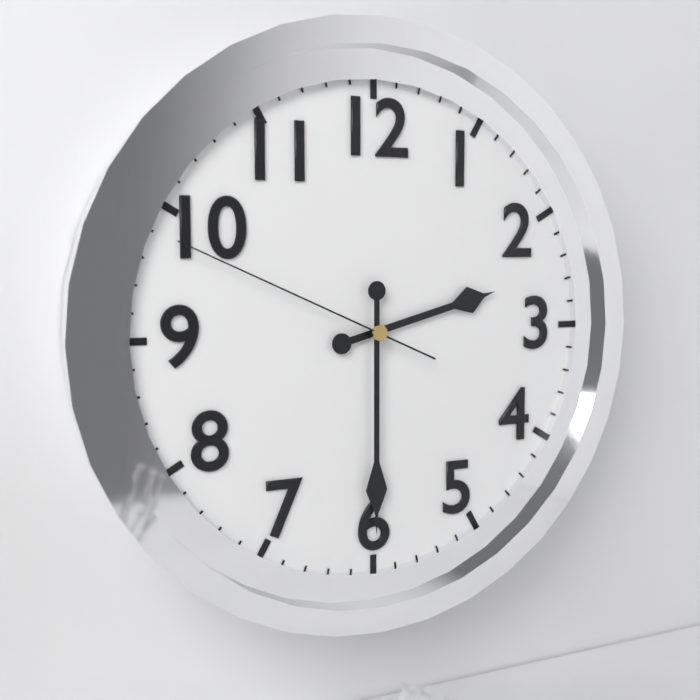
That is 2:30:49
